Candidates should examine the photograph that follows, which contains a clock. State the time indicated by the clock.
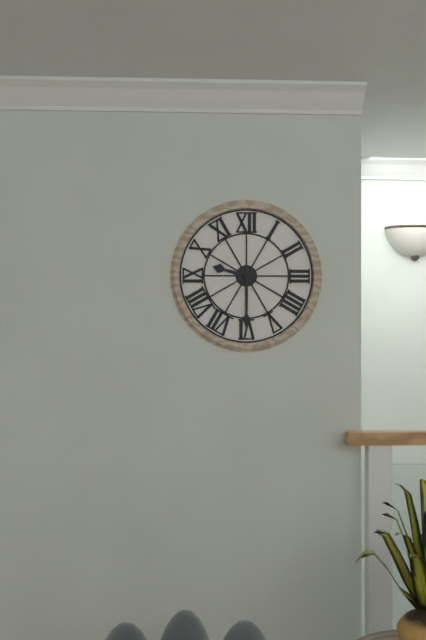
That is 9:30
